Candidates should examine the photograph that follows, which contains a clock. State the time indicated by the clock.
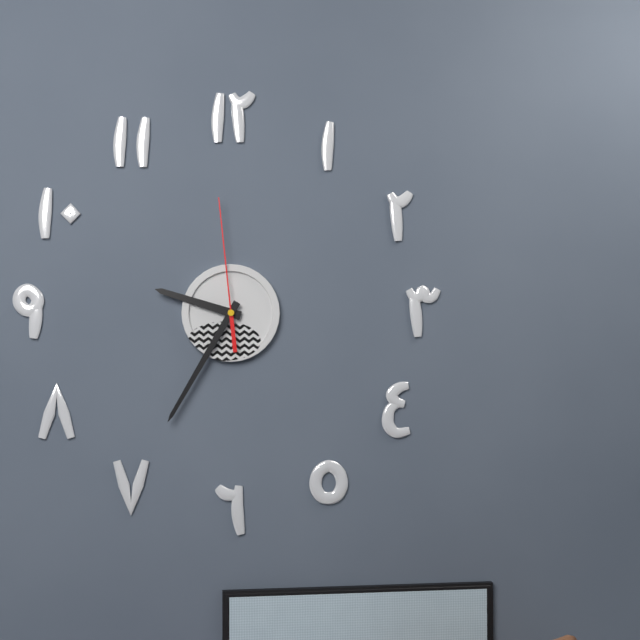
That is 9:35:59
